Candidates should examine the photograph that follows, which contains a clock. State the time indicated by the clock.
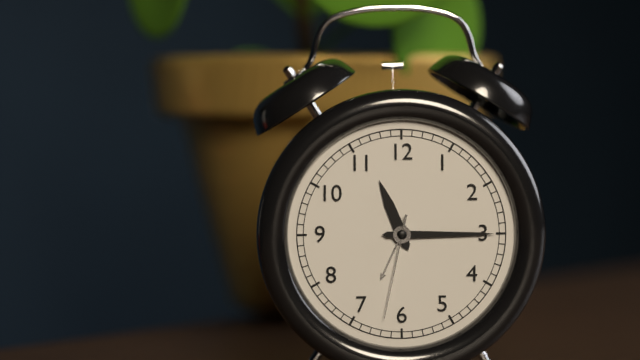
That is 11:15:32
